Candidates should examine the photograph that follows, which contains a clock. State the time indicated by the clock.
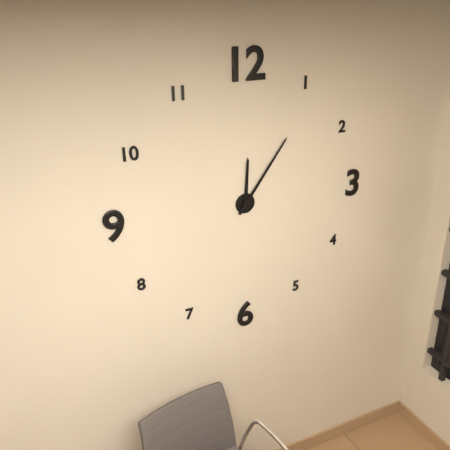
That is 12:06
